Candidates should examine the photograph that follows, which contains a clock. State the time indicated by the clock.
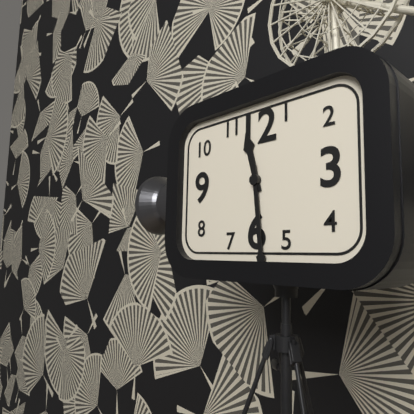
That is 11:29
